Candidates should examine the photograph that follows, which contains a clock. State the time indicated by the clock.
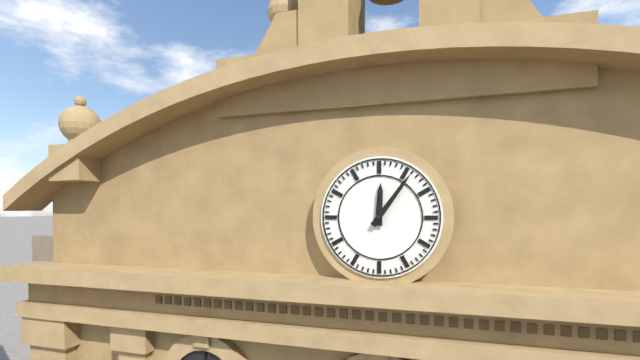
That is 12:06
